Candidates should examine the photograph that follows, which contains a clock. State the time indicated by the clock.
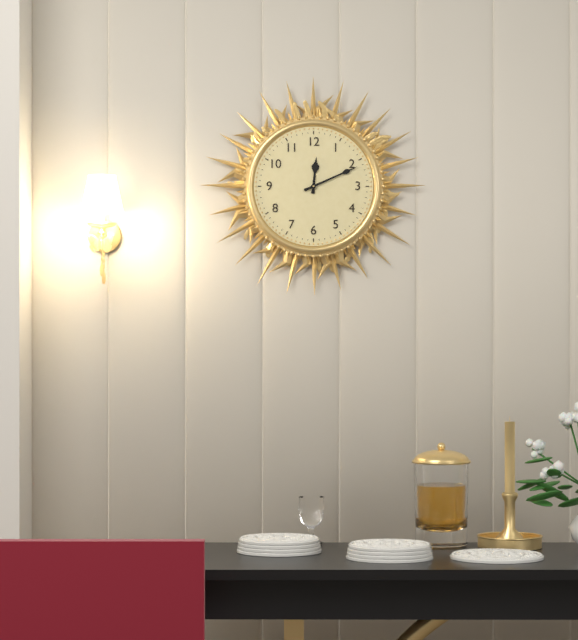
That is 12:11
